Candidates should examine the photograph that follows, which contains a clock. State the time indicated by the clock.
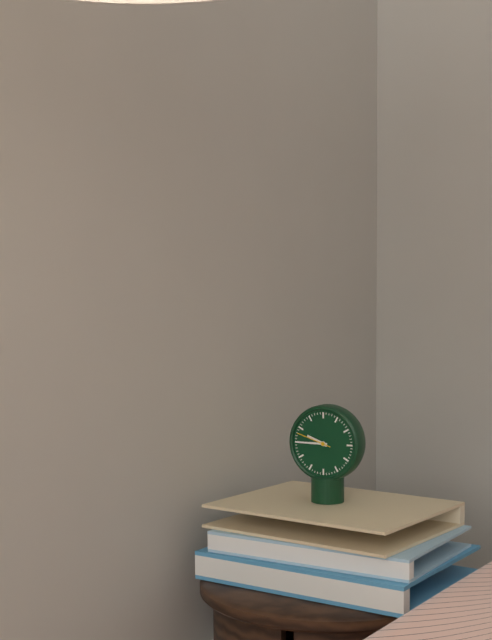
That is 9:45
